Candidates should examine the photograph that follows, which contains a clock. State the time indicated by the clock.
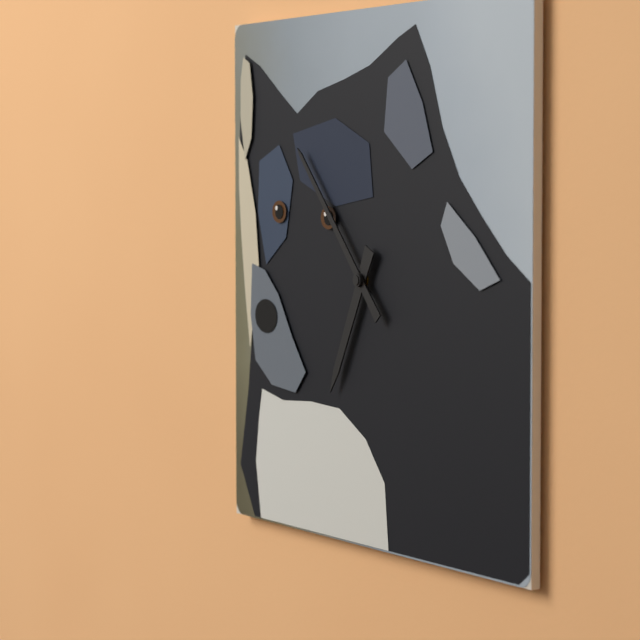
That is 6:53
